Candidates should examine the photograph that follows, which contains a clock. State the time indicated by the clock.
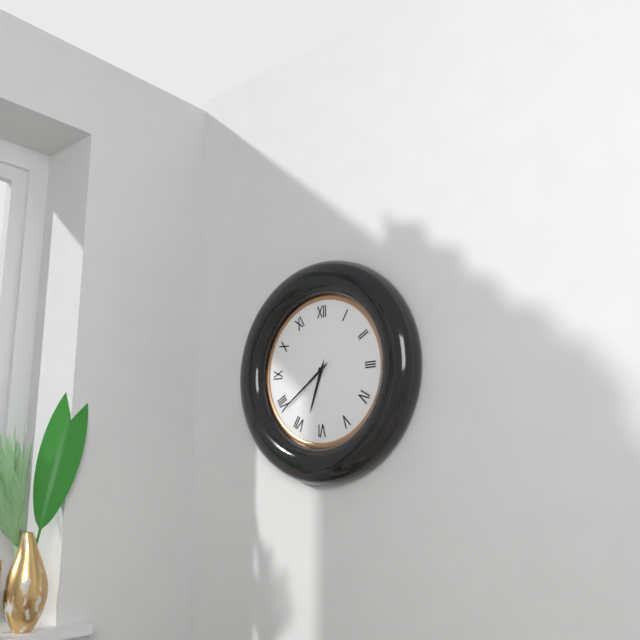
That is 6:39
